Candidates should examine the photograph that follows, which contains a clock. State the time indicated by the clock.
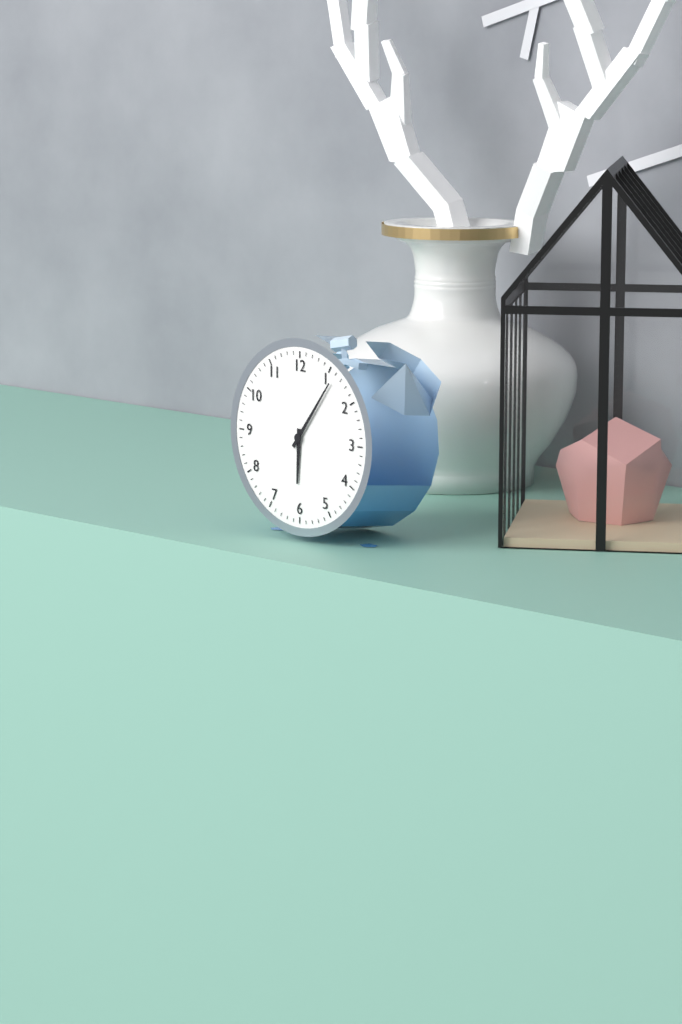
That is 6:06
